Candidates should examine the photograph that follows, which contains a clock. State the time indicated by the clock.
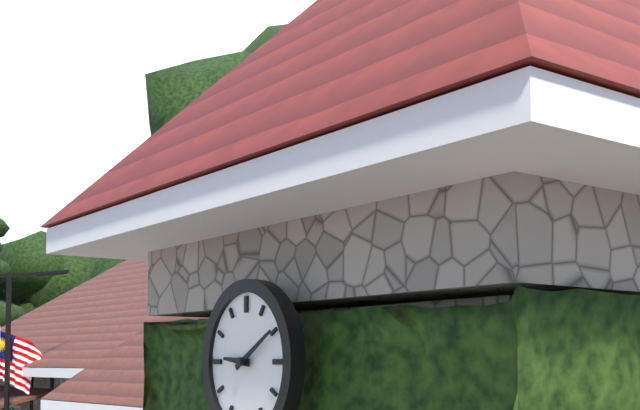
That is 9:10
